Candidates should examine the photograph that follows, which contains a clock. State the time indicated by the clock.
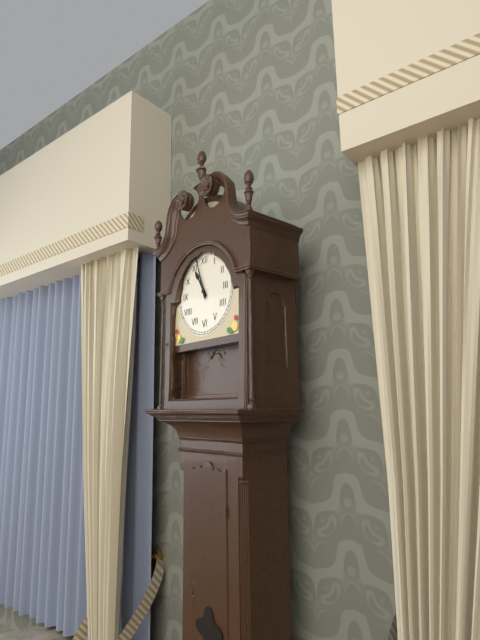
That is 10:57
